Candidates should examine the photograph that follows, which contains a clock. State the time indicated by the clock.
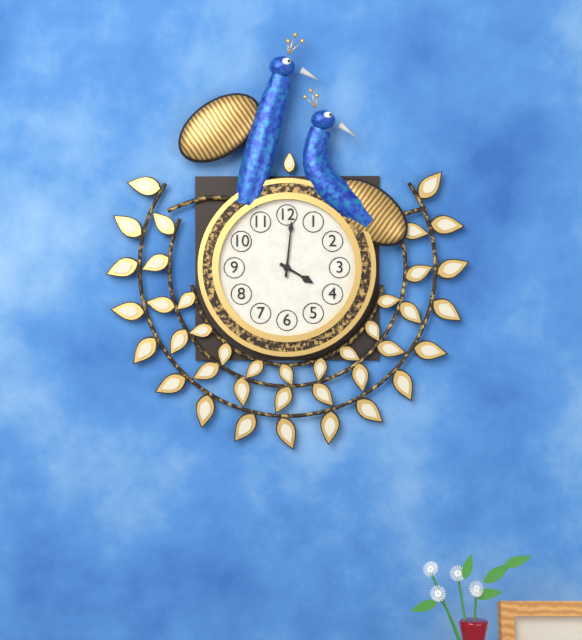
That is 4:01
